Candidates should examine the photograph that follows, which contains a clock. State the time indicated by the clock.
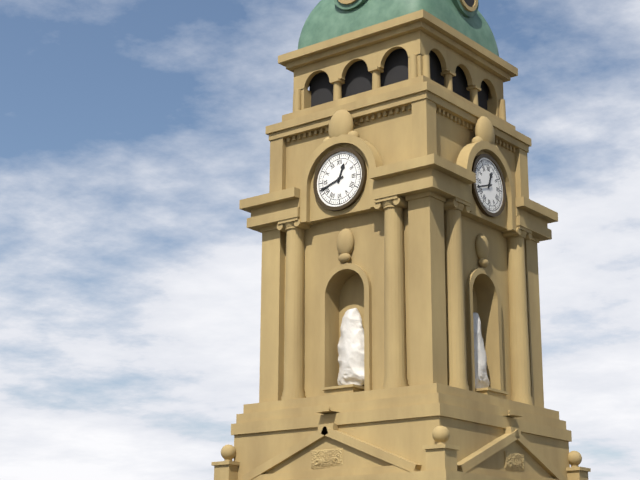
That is 12:42
